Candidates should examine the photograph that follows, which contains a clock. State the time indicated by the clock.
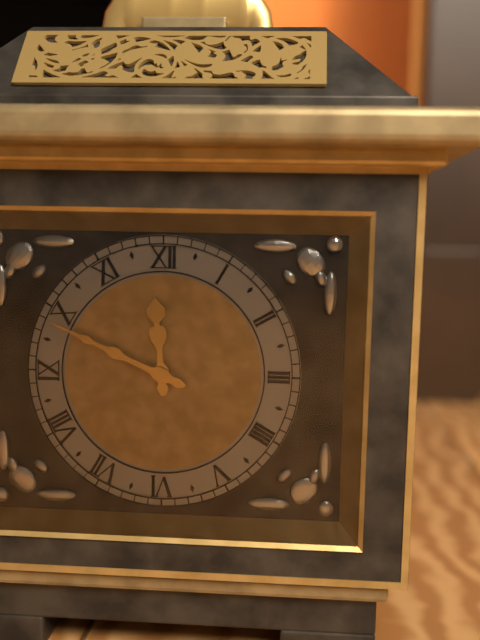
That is 11:49
